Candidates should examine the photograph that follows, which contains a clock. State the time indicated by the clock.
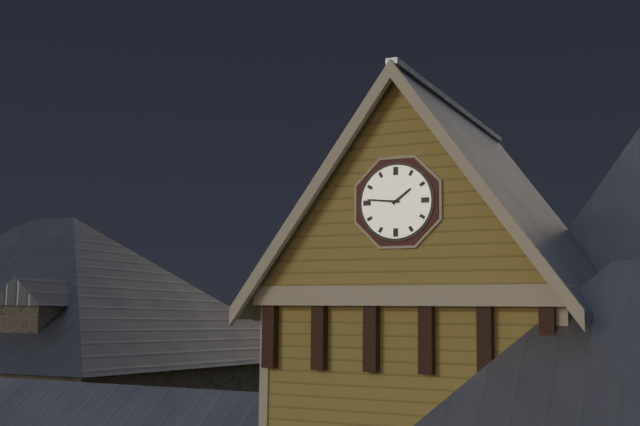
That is 1:46
